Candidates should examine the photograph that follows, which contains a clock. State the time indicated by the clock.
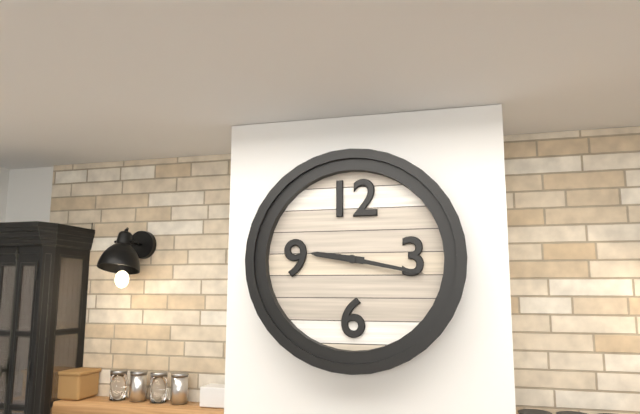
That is 9:17
